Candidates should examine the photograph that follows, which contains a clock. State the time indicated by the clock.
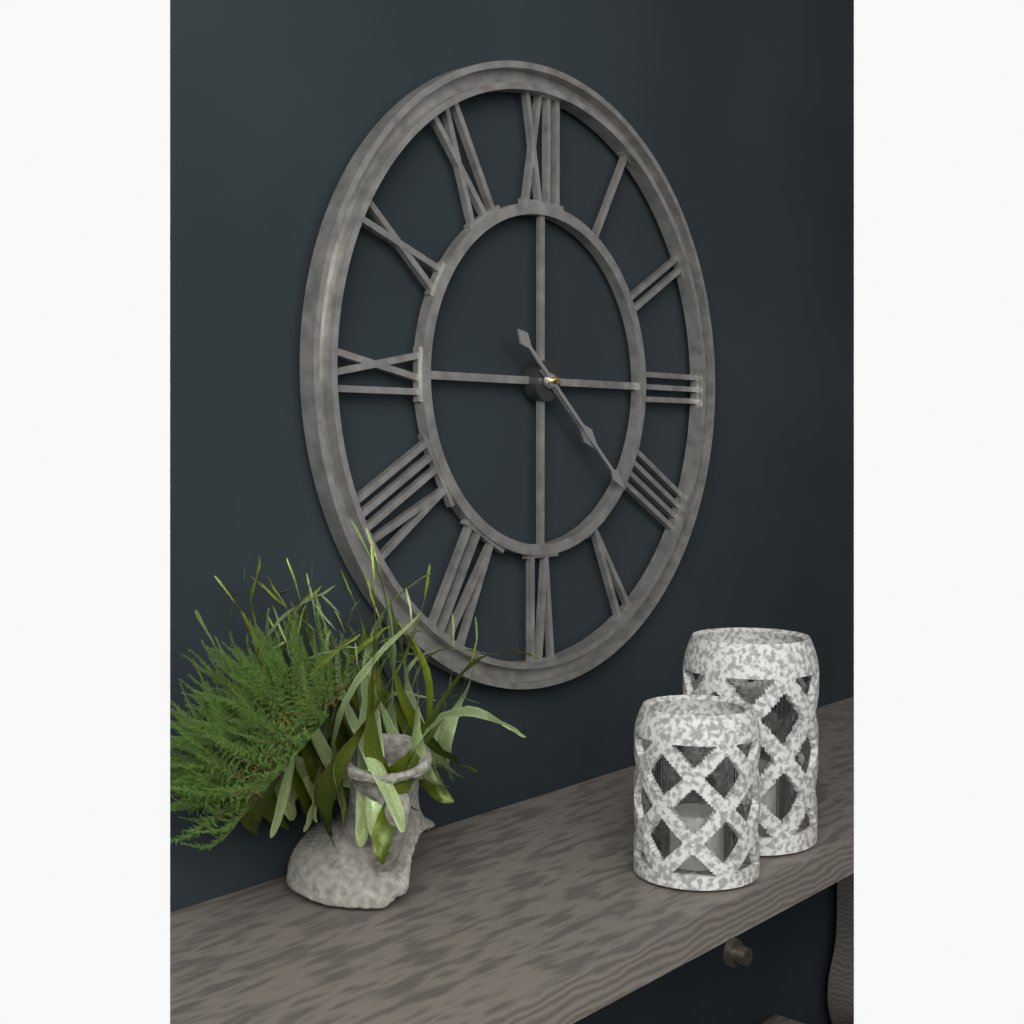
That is 4:22
